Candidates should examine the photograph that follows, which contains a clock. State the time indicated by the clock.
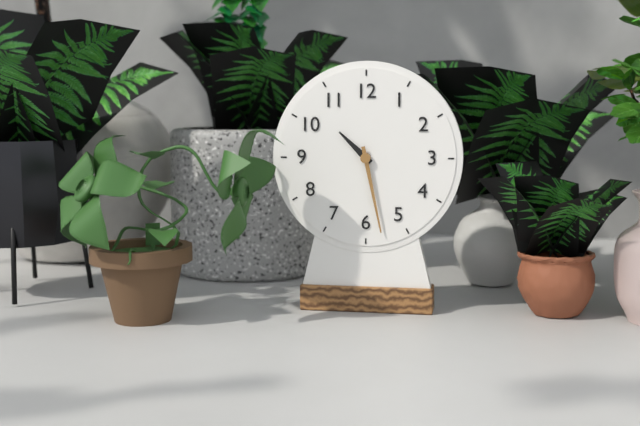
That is 10:28
